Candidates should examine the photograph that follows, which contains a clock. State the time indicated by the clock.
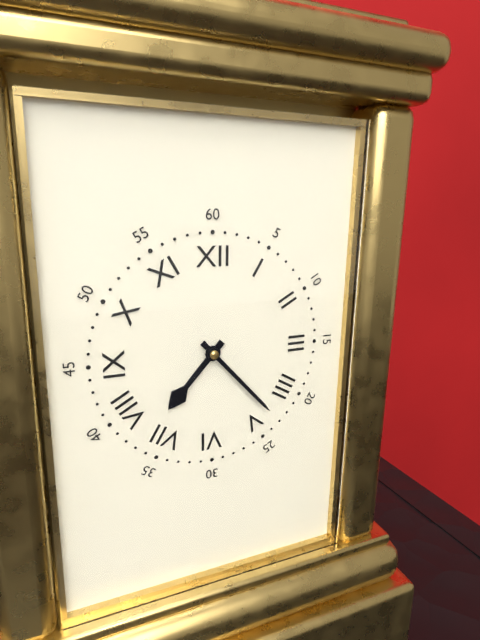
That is 7:23
